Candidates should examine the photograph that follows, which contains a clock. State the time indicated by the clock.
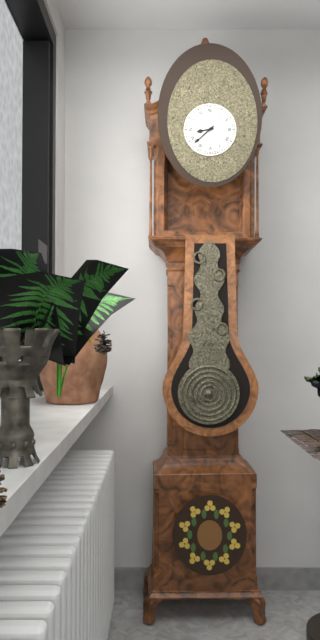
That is 8:38
